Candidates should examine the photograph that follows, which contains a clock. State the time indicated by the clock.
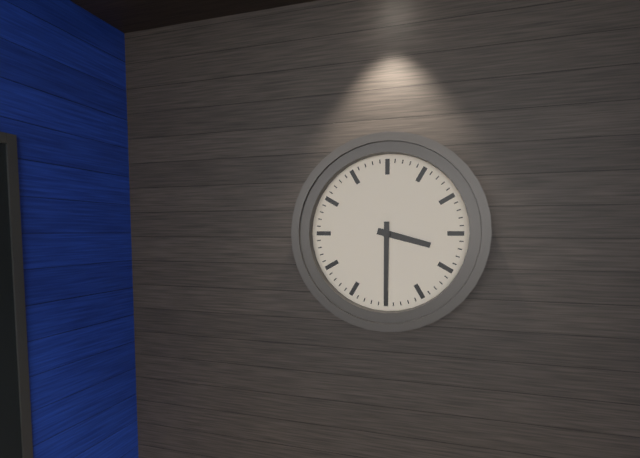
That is 3:30
